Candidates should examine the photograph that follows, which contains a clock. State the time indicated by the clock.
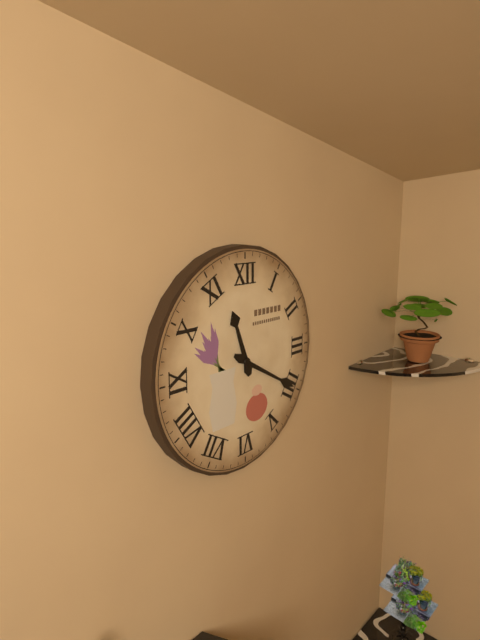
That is 11:20
